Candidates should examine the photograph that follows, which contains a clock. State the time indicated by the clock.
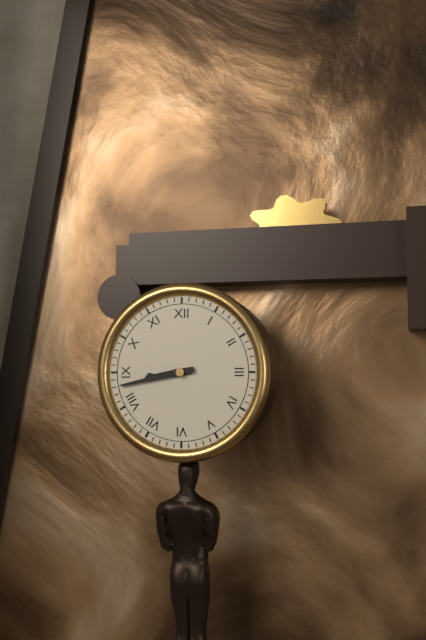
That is 8:43
